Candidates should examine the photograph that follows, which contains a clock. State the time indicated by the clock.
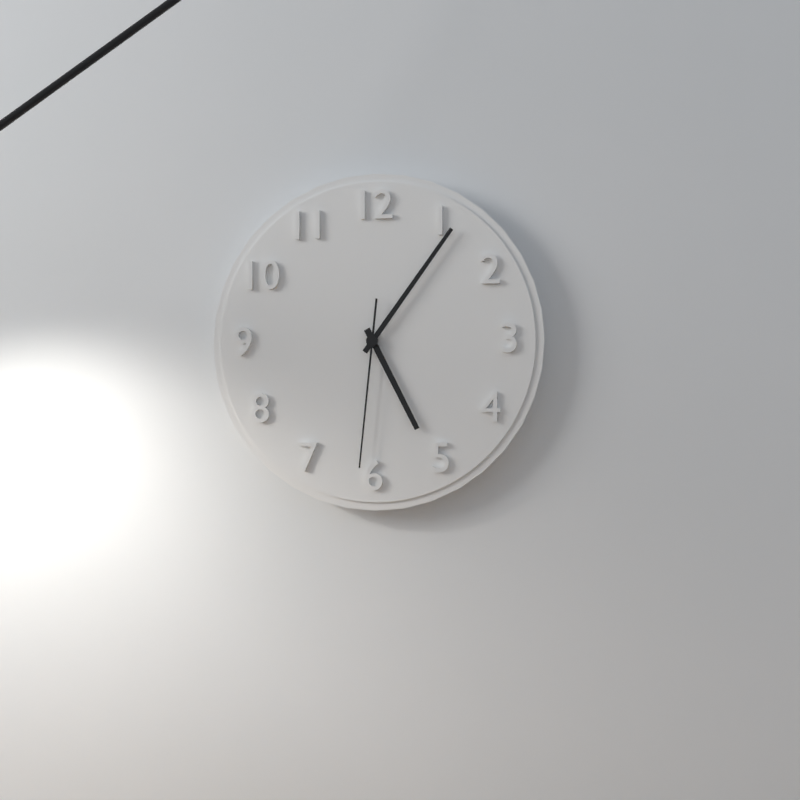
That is 5:06:31
